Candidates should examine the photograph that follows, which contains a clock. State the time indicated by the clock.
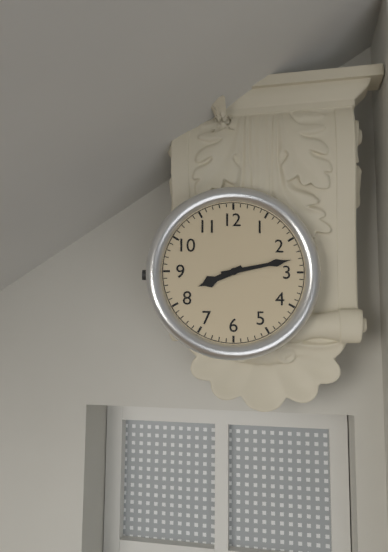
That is 8:13
